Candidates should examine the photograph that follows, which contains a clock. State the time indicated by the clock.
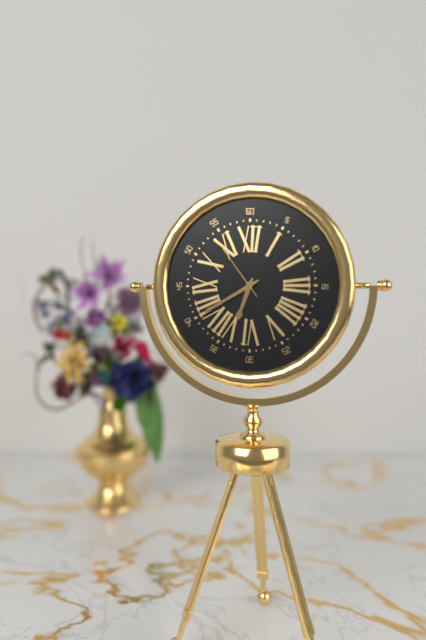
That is 6:40:54
